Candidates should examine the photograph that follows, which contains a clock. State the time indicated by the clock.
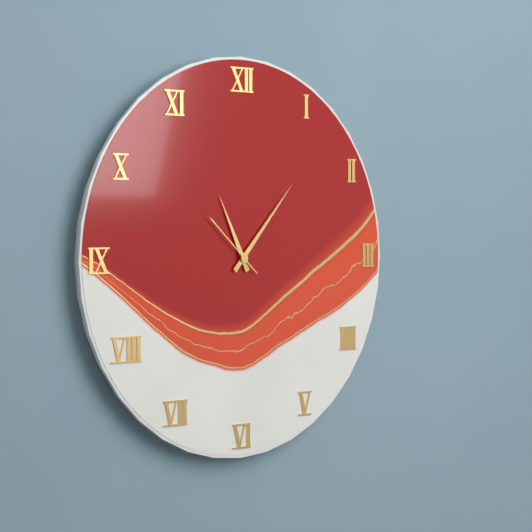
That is 11:07:52
